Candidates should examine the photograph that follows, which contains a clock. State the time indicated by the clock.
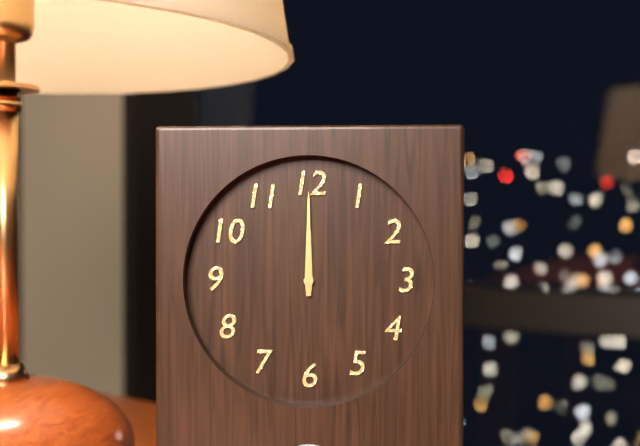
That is 12:00
